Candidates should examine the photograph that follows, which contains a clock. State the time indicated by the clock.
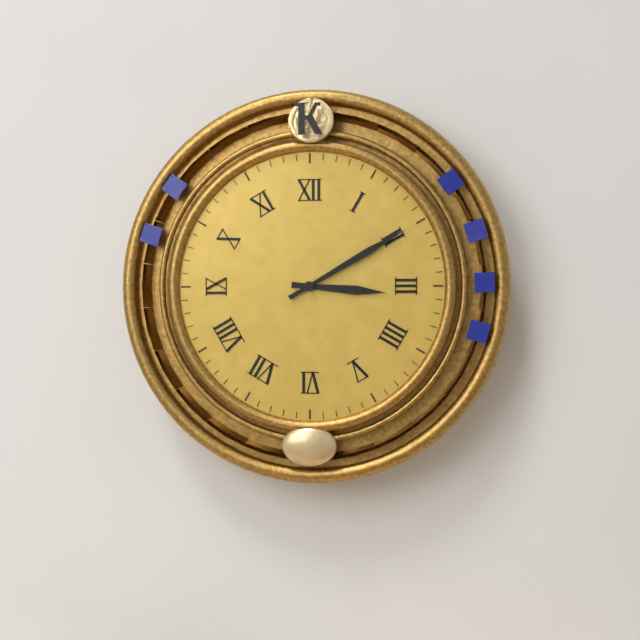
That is 3:10
